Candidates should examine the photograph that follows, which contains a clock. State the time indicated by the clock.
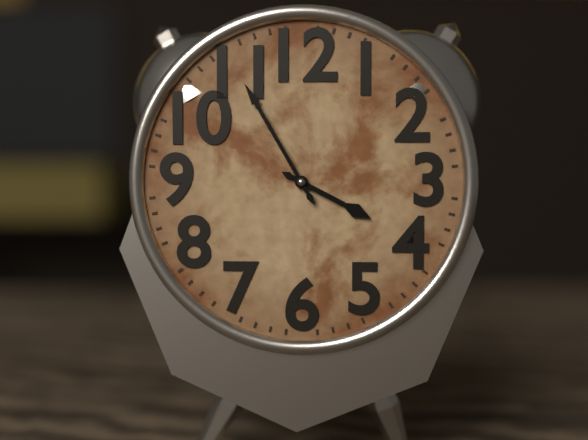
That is 3:55
